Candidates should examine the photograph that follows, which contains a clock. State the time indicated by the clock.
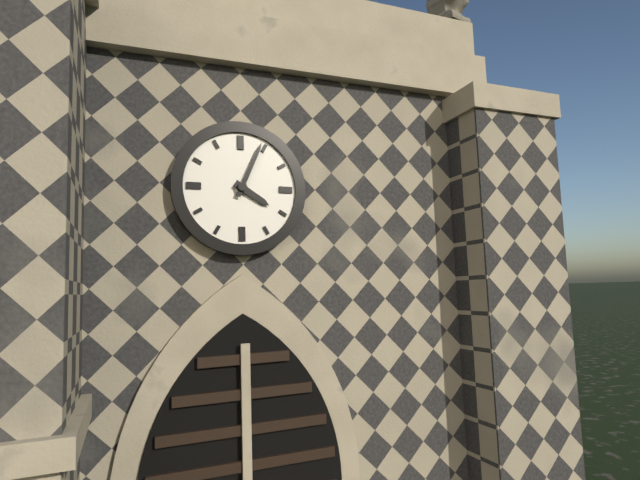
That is 4:04
